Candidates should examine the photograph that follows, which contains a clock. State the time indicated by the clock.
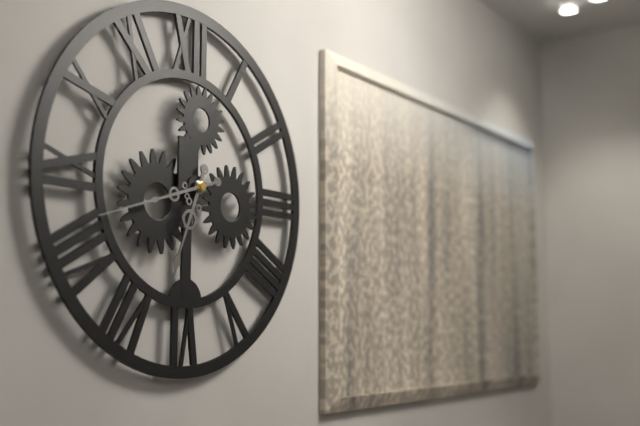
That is 6:42
